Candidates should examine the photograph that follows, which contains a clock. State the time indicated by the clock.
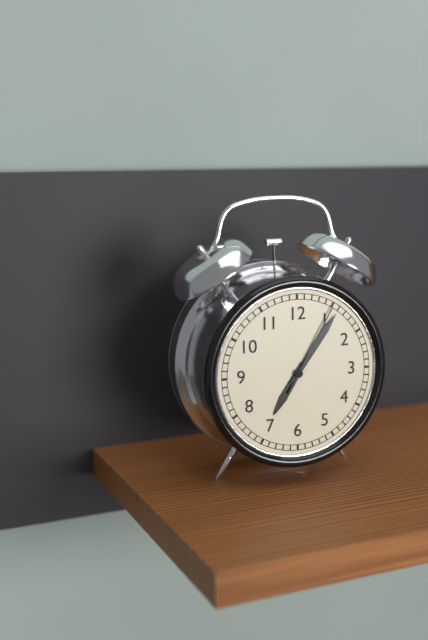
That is 7:06:05
